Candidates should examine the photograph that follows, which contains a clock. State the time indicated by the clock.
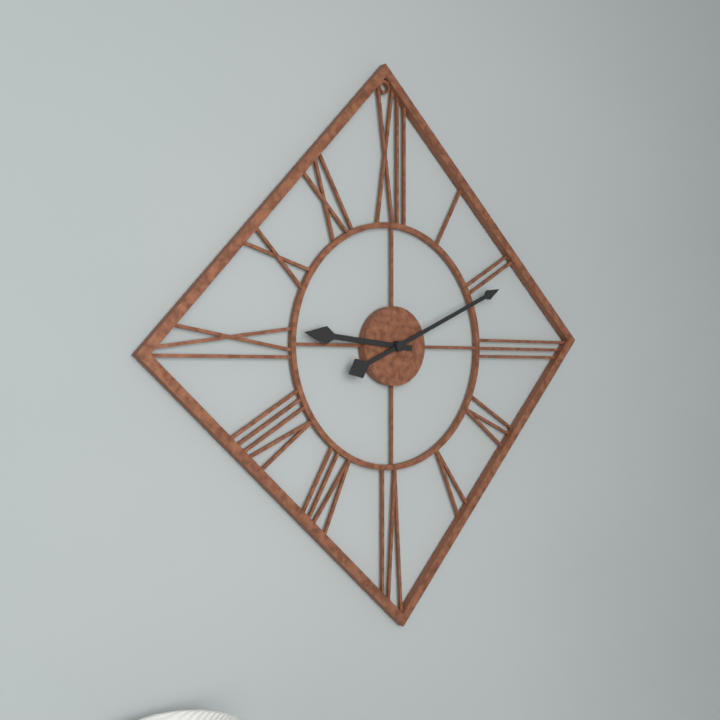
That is 9:11
